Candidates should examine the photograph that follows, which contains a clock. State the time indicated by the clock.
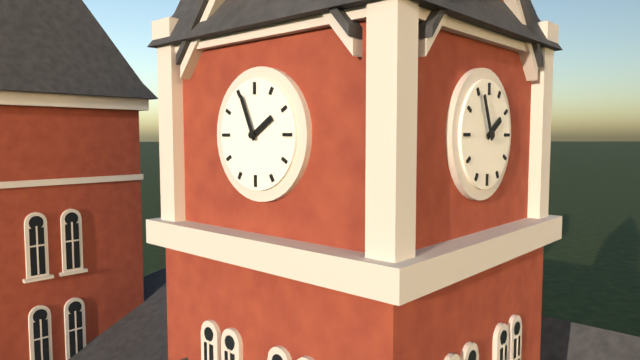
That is 1:56
